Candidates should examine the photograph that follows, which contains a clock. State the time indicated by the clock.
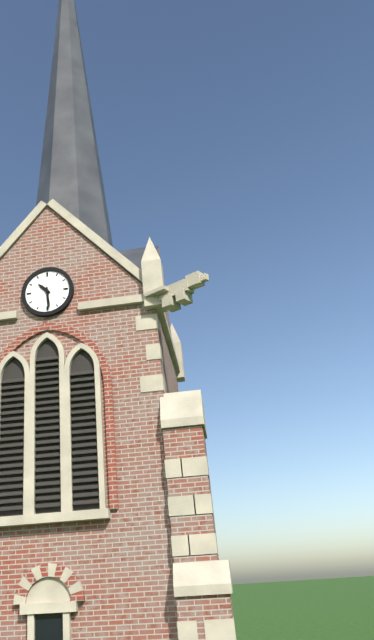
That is 10:29
